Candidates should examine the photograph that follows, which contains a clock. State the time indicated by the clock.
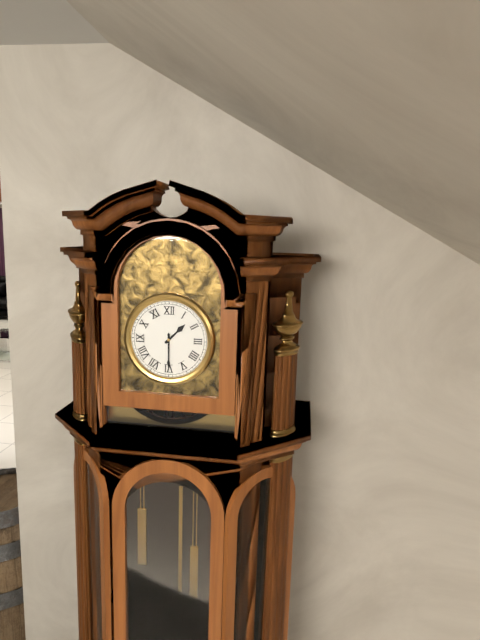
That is 1:30
